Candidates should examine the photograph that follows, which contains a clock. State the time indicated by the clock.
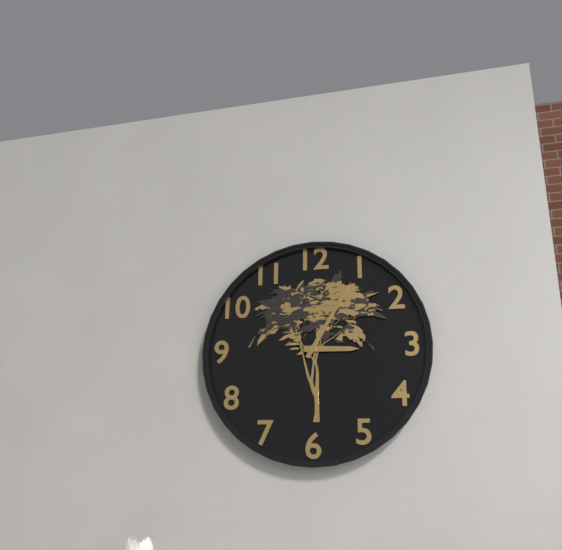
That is 3:05
